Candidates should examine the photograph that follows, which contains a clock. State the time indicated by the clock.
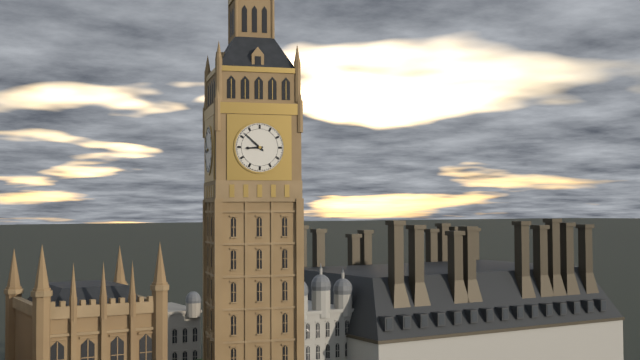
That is 8:52
